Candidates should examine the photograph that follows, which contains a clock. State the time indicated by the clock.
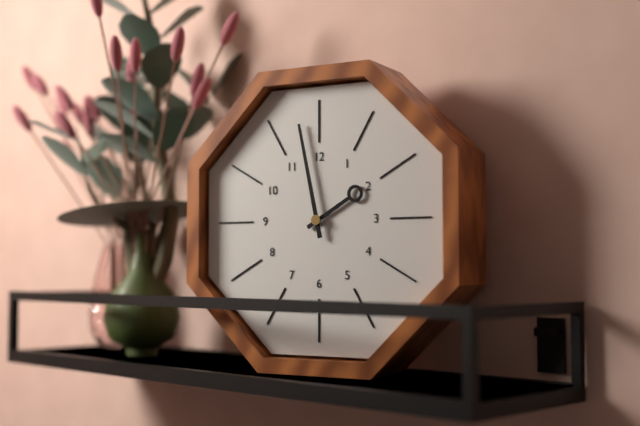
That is 1:58
